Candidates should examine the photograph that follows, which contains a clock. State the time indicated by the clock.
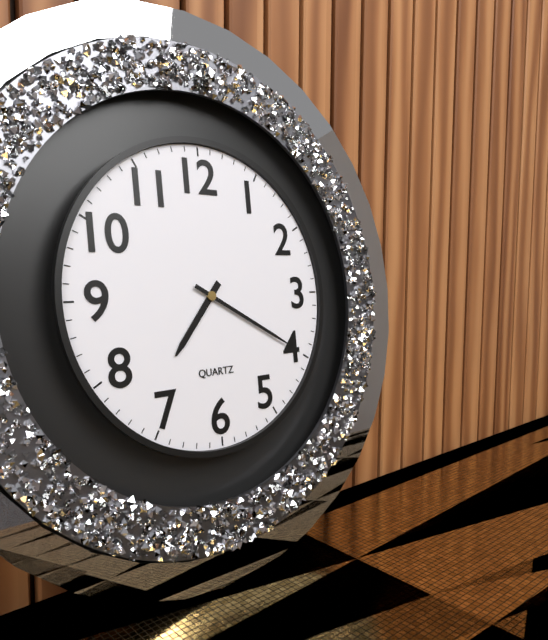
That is 7:20
